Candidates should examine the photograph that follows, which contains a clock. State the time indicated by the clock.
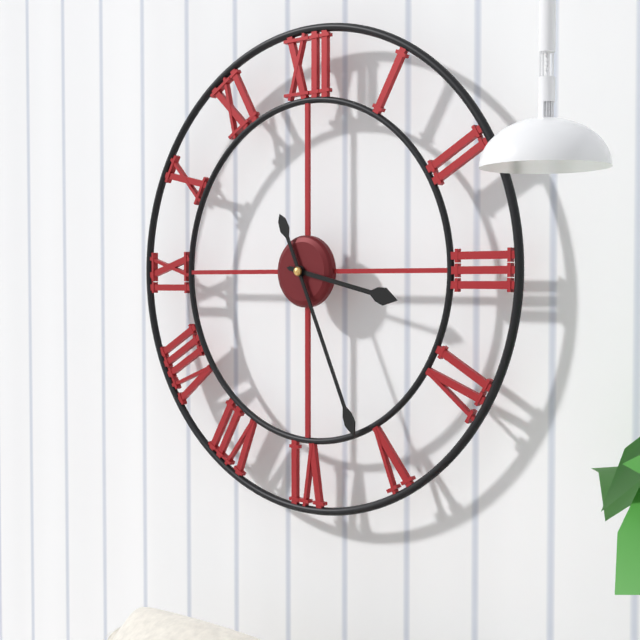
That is 3:26
